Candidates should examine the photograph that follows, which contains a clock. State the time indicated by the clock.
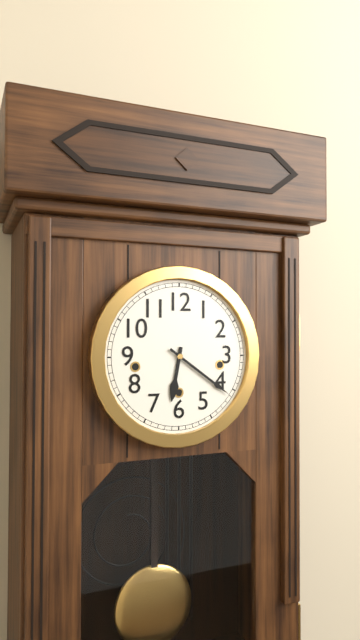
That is 6:21
